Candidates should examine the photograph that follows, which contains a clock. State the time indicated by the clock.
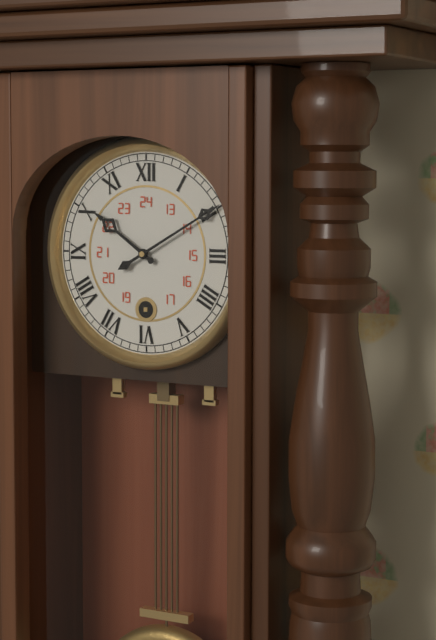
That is 10:10
